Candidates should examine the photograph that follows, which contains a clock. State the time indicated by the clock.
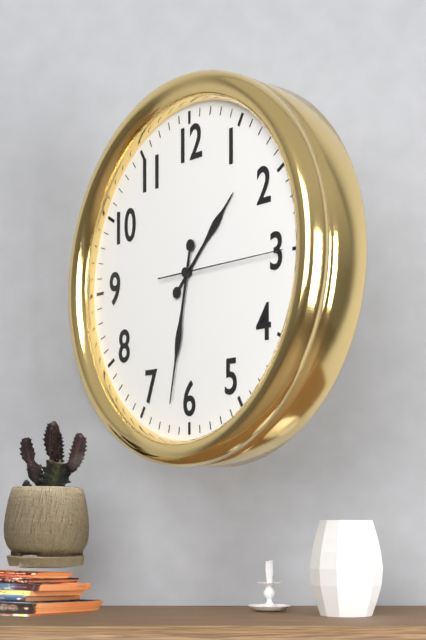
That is 1:32:15
